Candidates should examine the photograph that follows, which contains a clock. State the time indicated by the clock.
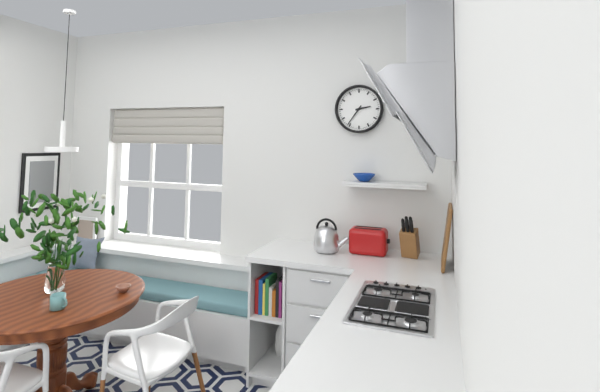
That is 2:36
